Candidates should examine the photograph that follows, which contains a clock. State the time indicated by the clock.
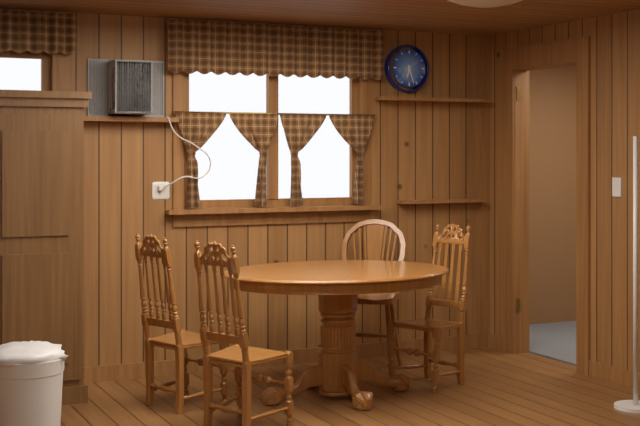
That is 6:27
